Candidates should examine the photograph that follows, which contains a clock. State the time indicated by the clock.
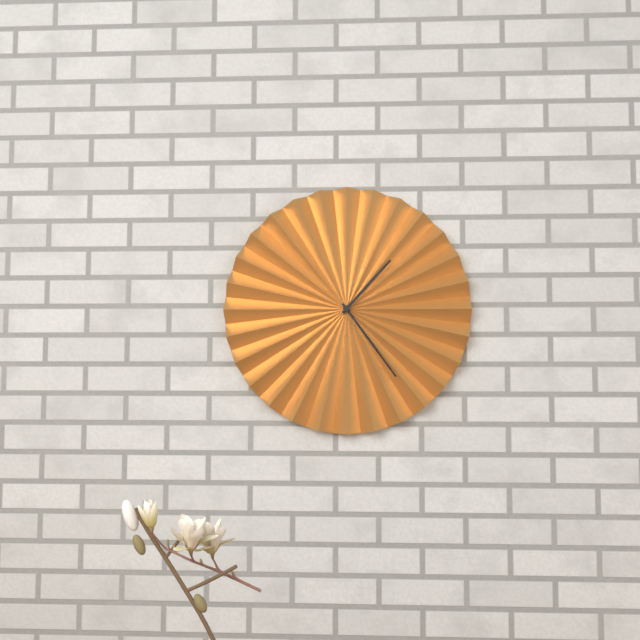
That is 1:24
